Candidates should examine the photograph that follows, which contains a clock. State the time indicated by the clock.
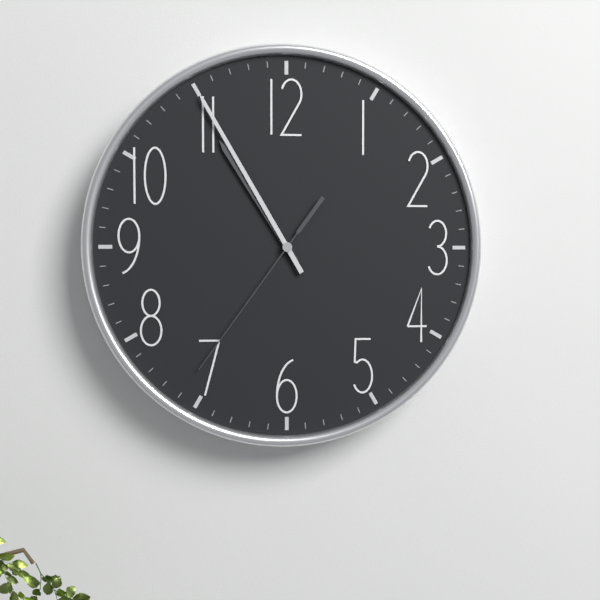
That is 10:55:36
